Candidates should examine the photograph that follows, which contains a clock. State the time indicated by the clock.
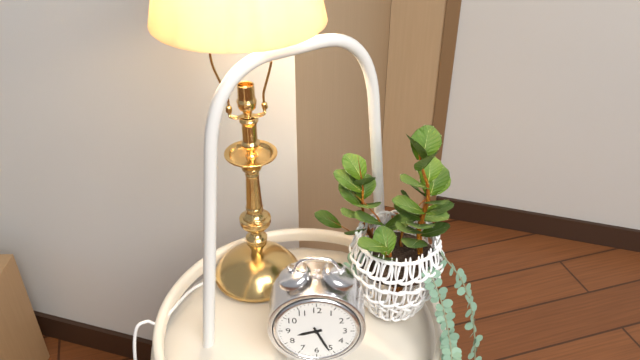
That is 8:26
